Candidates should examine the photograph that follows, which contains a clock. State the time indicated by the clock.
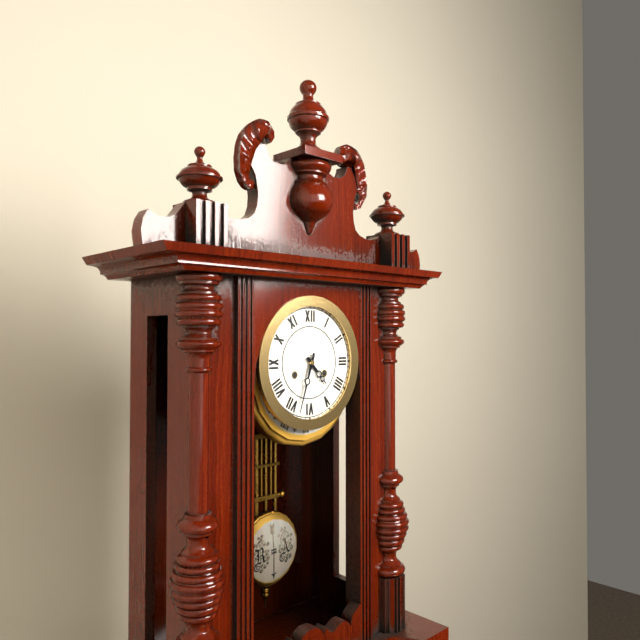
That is 4:33
